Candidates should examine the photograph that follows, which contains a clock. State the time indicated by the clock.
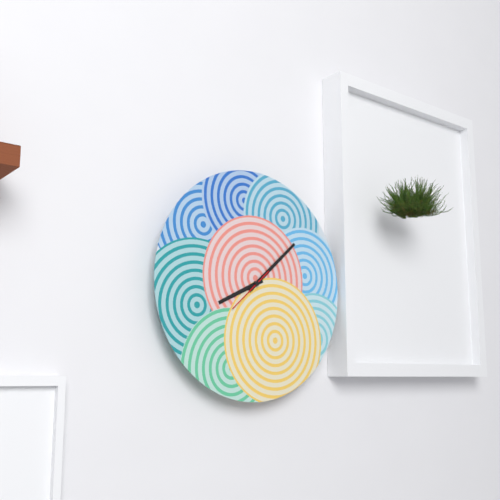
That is 8:08
